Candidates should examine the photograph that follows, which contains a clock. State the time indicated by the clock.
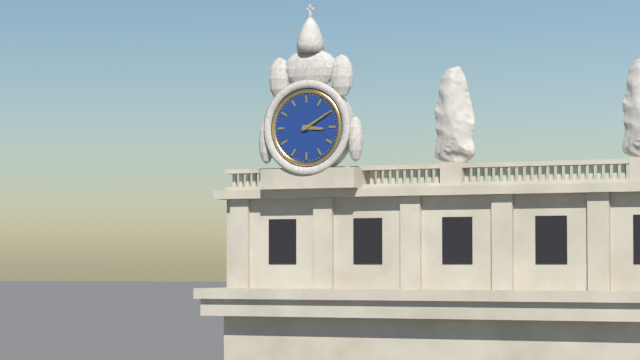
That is 3:10
